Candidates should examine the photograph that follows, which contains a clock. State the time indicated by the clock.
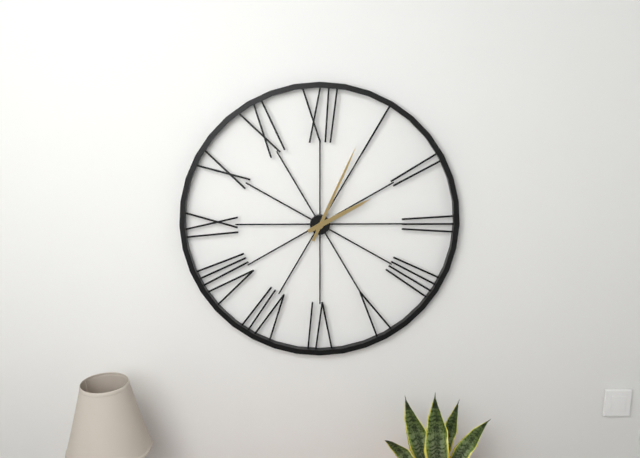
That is 2:04
